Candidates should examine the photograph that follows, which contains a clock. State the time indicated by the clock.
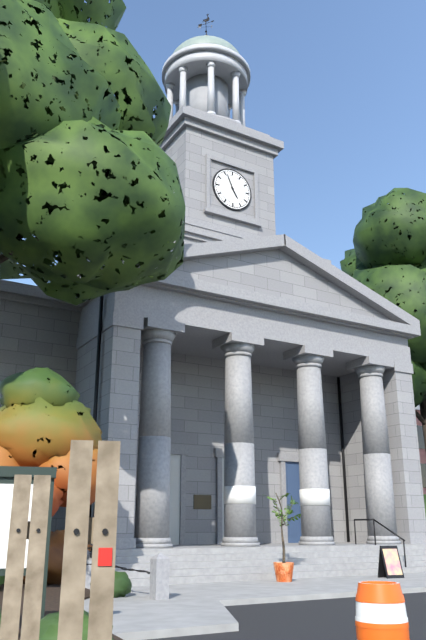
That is 4:56
